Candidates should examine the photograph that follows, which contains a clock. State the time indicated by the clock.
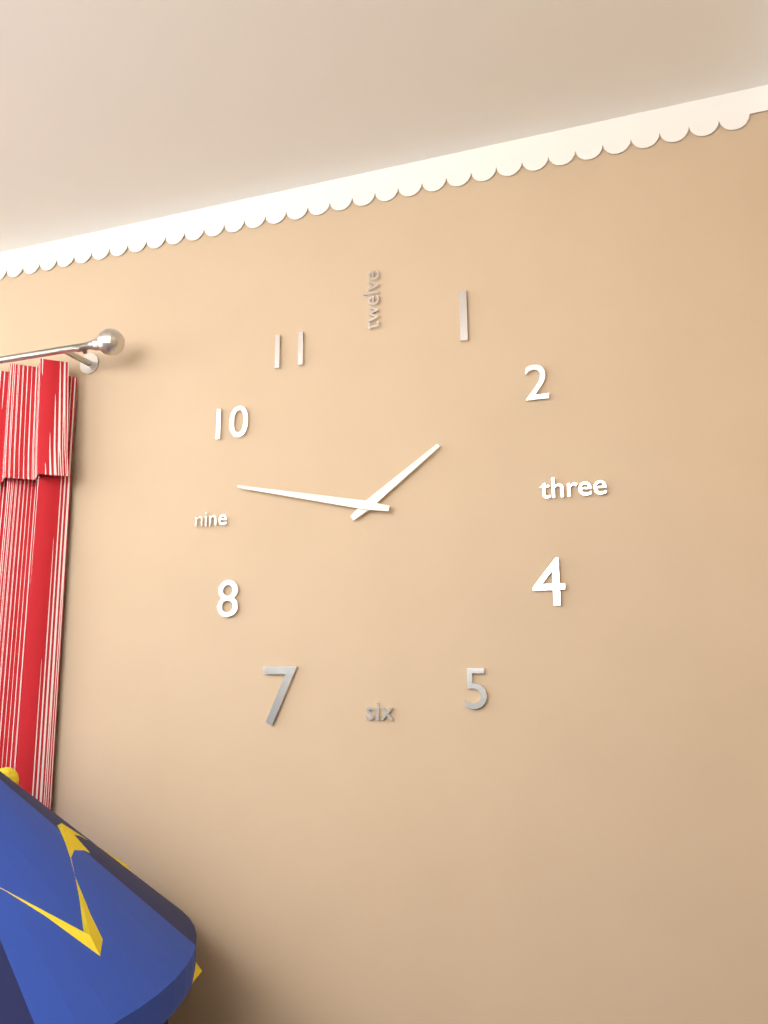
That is 1:47
